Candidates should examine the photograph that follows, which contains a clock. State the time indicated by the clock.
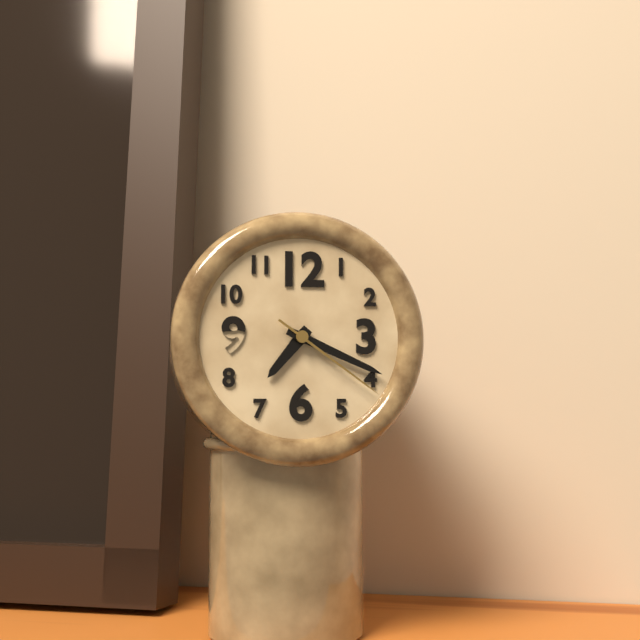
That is 7:19:21
